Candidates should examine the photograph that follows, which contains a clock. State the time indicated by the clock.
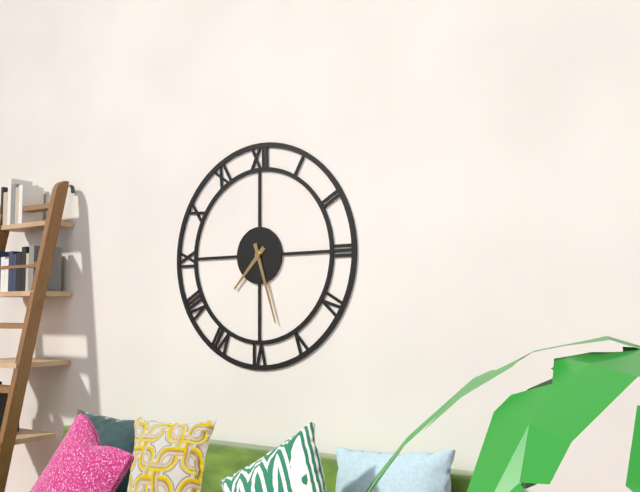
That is 7:27
